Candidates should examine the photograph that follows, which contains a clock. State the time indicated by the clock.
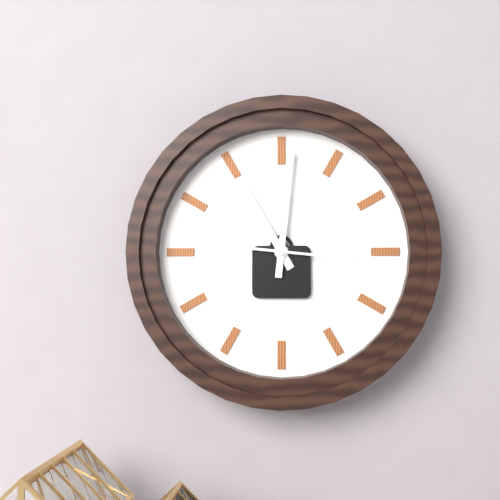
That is 11:01:16
